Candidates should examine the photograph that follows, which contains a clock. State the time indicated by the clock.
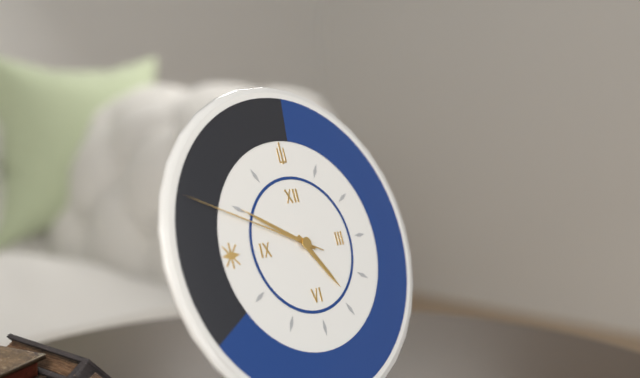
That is 4:50:49
